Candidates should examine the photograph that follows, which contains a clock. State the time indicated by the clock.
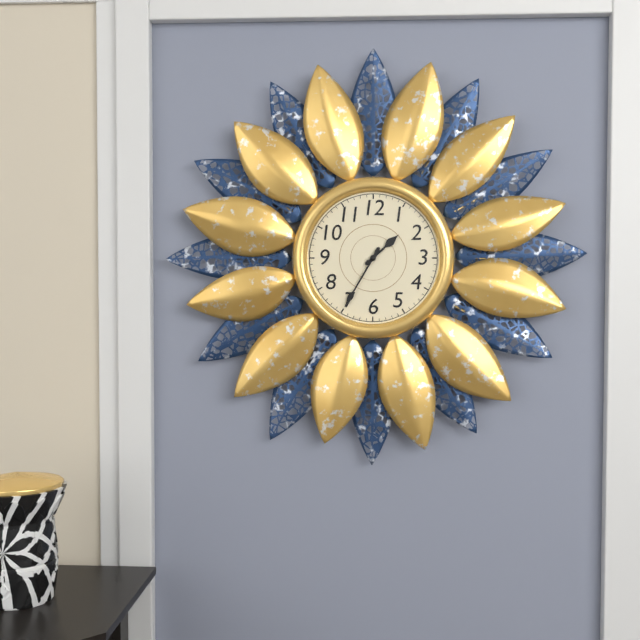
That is 1:35
